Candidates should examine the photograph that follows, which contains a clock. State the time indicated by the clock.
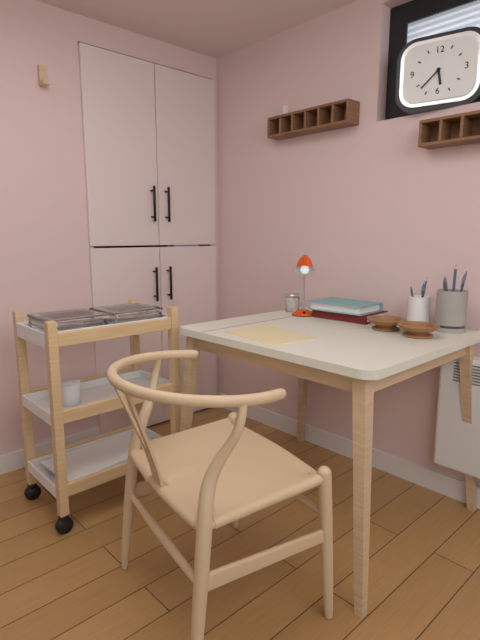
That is 5:38
